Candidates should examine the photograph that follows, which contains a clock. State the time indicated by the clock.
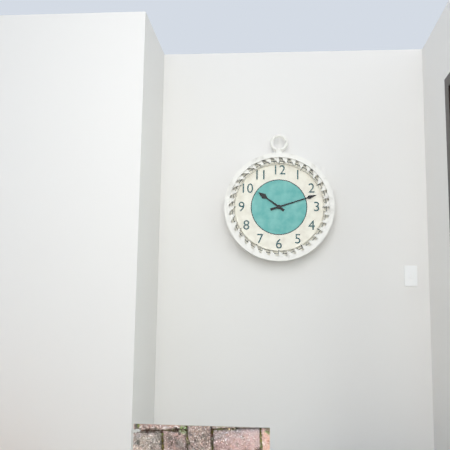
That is 10:12
